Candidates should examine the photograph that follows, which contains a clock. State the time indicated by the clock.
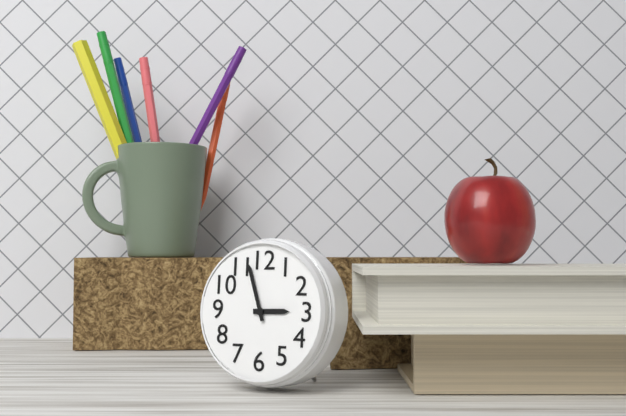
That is 2:57
